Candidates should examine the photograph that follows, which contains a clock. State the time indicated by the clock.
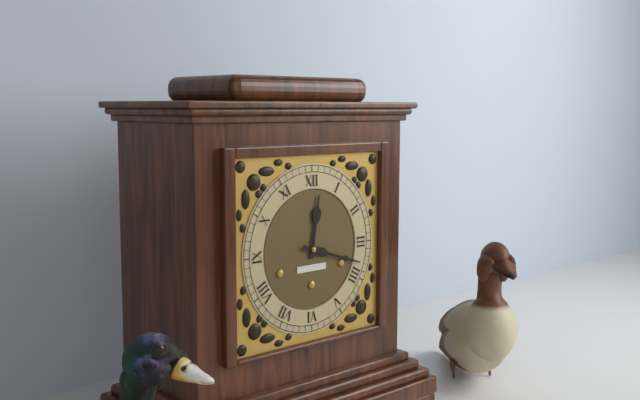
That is 12:18
